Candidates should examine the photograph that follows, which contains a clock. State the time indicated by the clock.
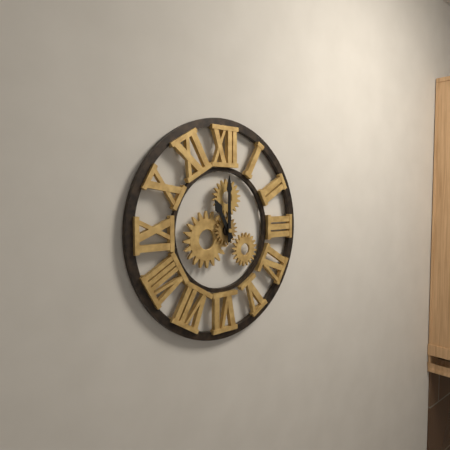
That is 11:00
